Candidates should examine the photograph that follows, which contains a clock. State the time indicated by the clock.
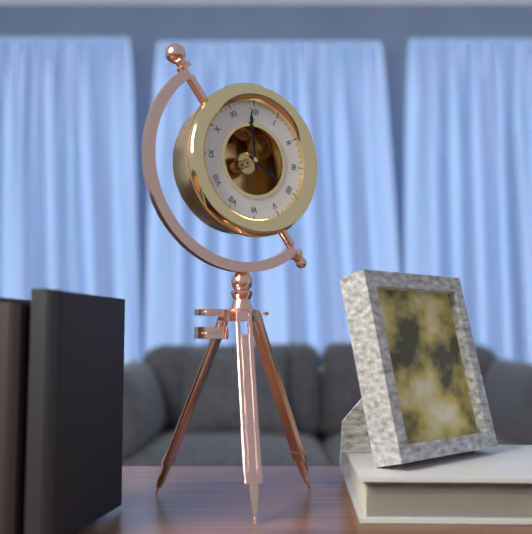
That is 3:59
